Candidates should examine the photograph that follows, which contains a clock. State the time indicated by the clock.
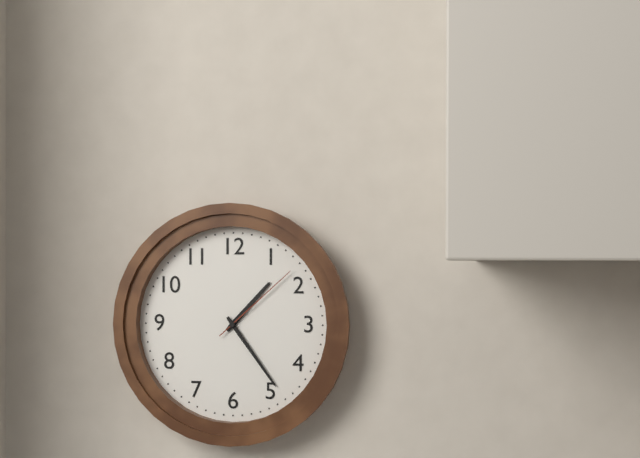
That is 1:24:08
